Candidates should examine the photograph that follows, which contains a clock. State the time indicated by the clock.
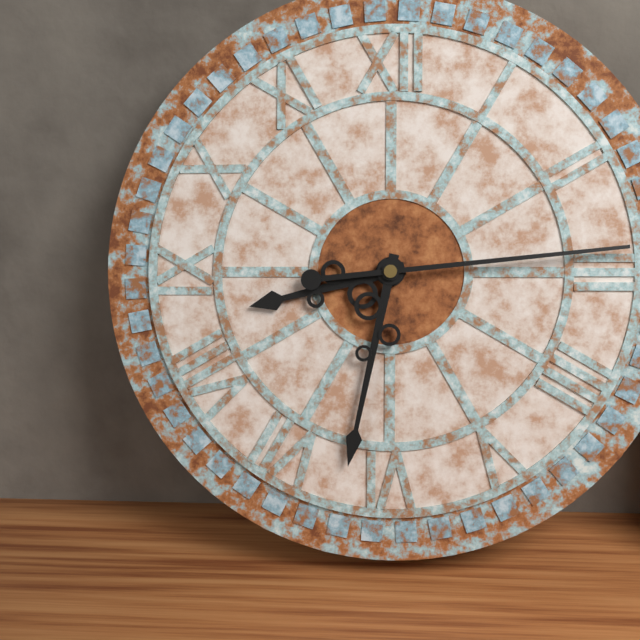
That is 8:32:14
